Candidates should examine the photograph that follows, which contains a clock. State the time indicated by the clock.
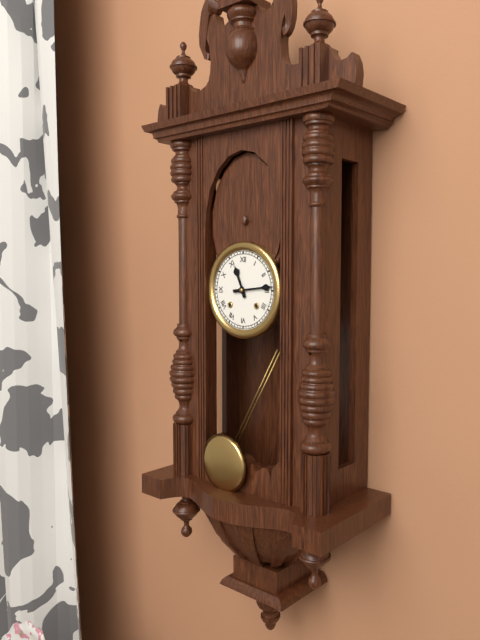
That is 11:14
